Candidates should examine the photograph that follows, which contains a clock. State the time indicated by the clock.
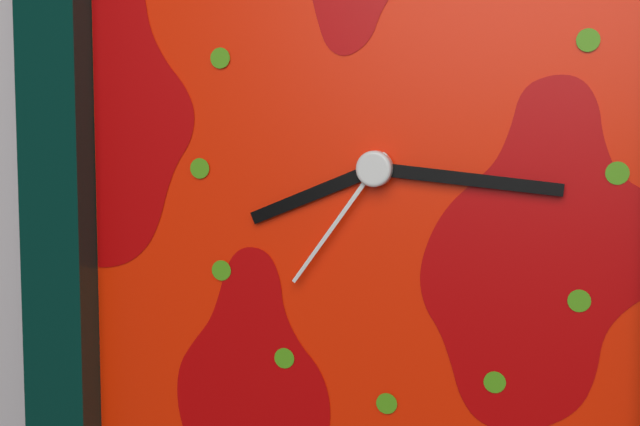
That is 8:16:36
